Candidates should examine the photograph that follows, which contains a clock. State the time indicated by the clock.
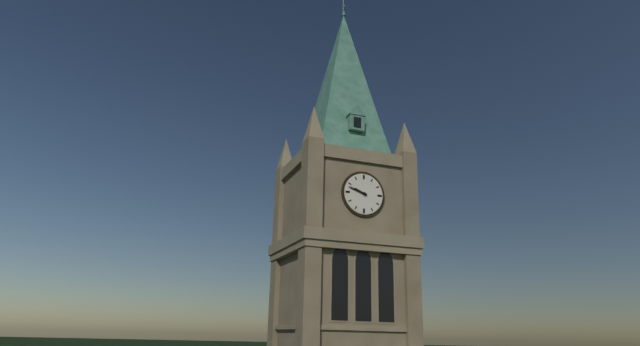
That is 9:48
